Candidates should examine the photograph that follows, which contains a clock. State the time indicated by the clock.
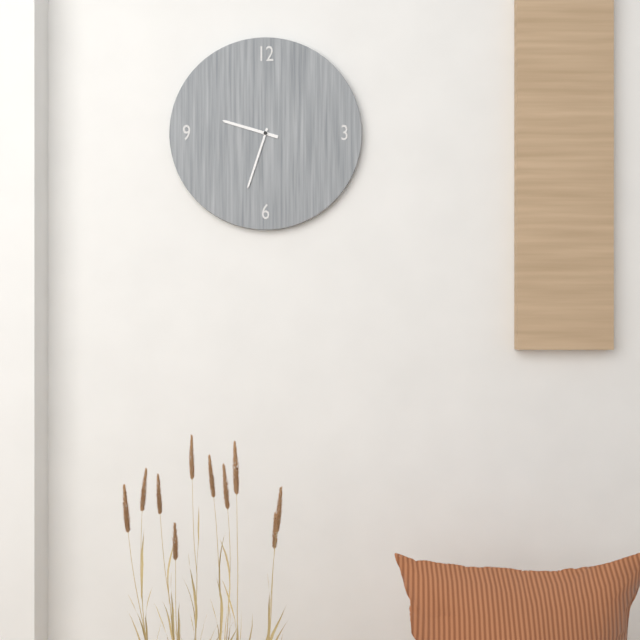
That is 9:33
